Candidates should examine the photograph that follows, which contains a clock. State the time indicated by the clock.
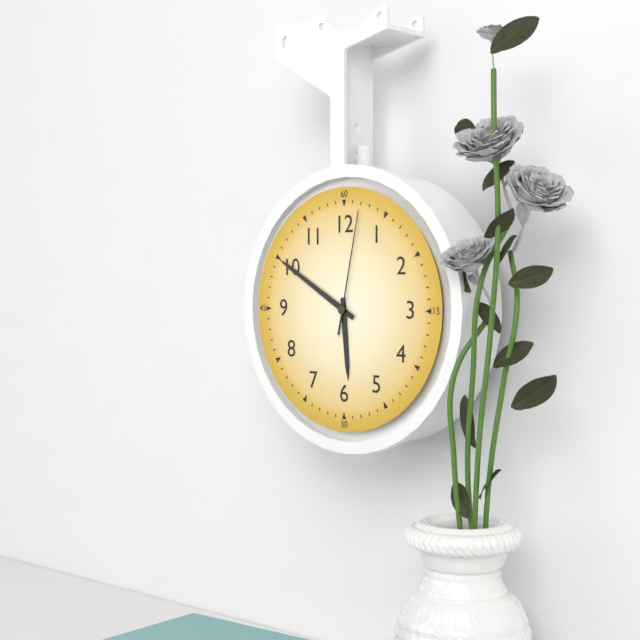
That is 5:50:02
